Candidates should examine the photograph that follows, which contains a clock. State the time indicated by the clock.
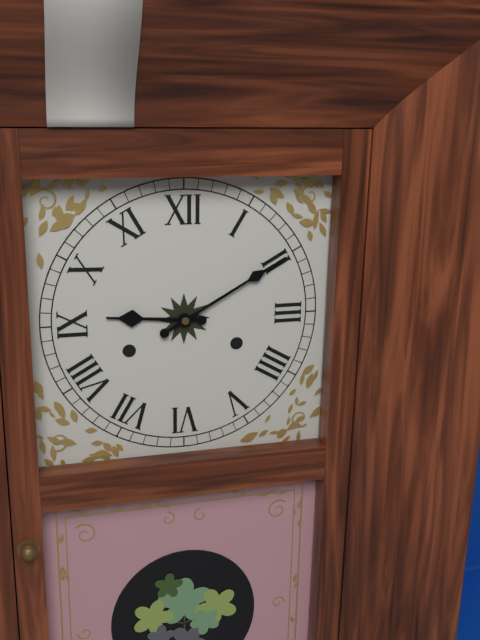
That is 9:10
